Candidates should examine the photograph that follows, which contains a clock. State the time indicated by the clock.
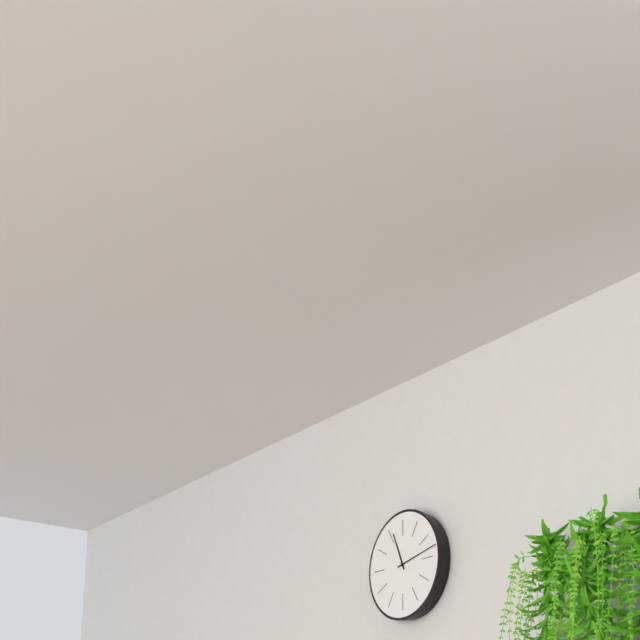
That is 11:13
